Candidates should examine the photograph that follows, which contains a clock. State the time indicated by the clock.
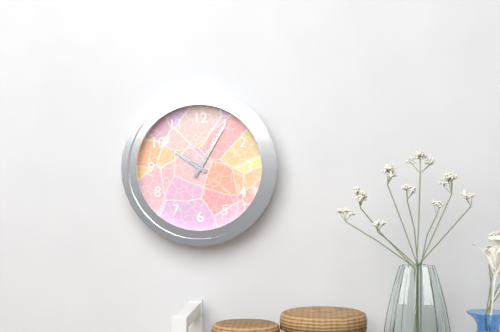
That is 10:05
